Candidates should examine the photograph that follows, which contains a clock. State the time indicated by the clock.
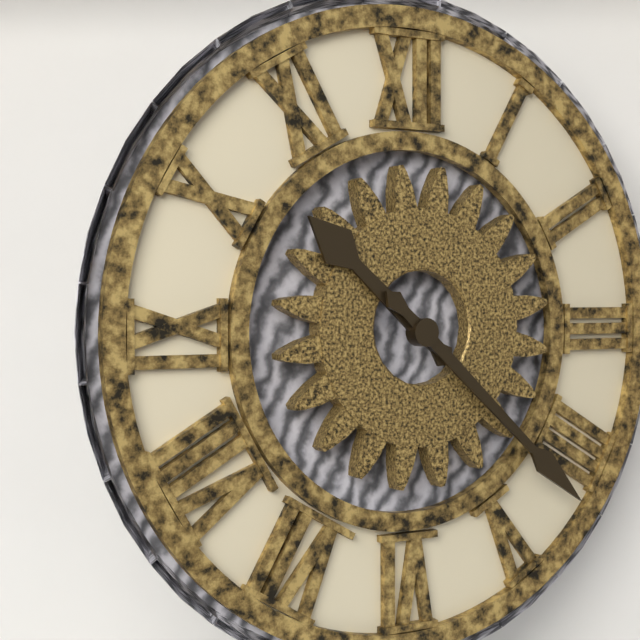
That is 10:22
